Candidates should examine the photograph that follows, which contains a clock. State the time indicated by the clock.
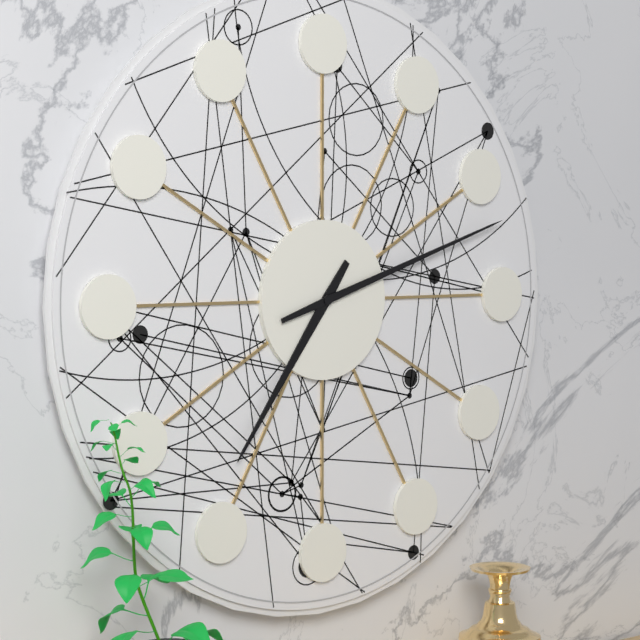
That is 7:12
